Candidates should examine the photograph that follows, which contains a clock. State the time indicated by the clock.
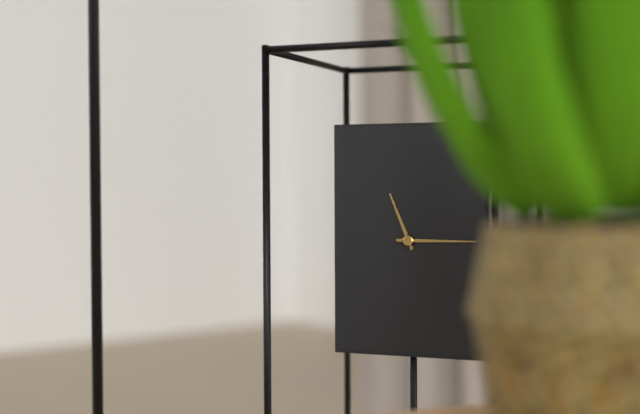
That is 11:15
